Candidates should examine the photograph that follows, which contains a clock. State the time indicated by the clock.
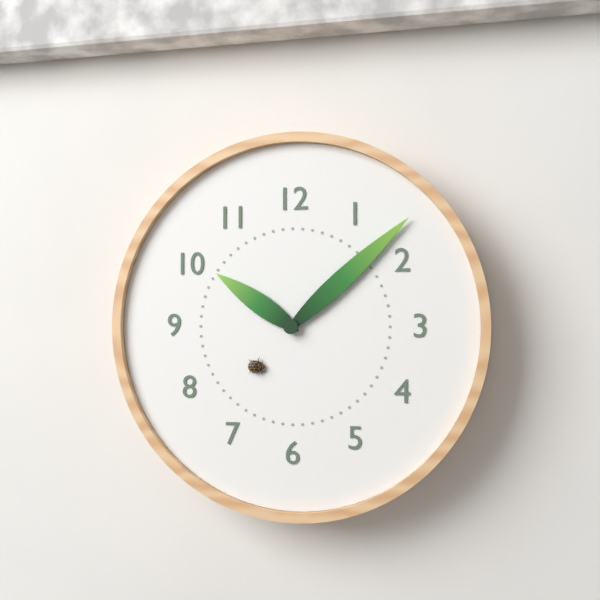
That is 10:08
